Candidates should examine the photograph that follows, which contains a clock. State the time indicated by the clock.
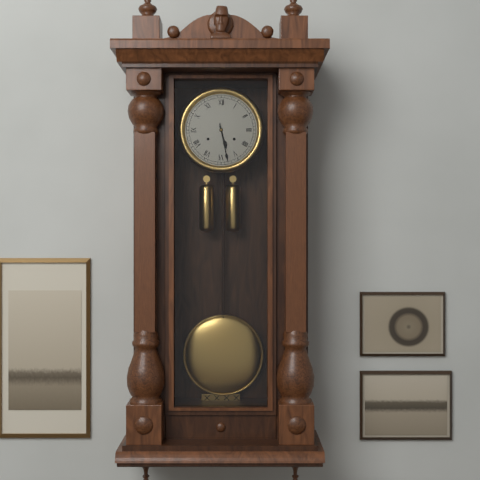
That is 5:28
